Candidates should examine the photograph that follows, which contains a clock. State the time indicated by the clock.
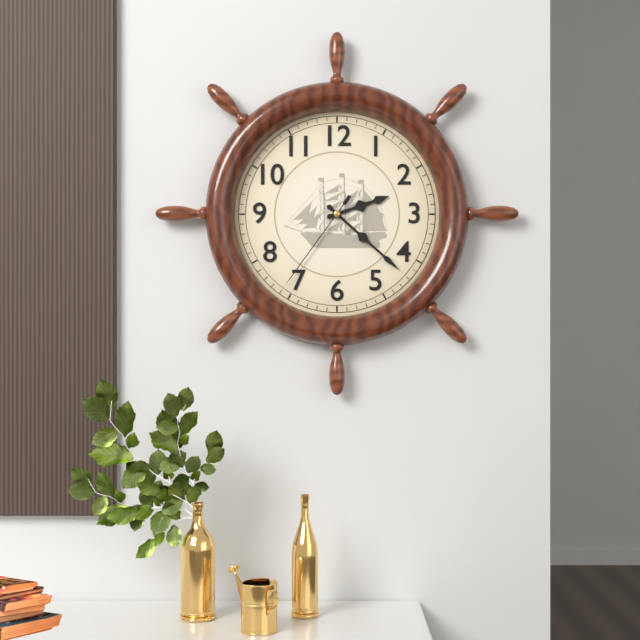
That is 2:22:36
